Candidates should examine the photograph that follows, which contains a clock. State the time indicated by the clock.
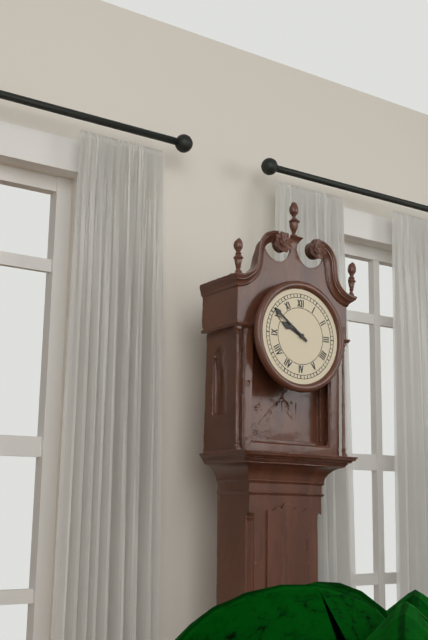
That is 9:51
